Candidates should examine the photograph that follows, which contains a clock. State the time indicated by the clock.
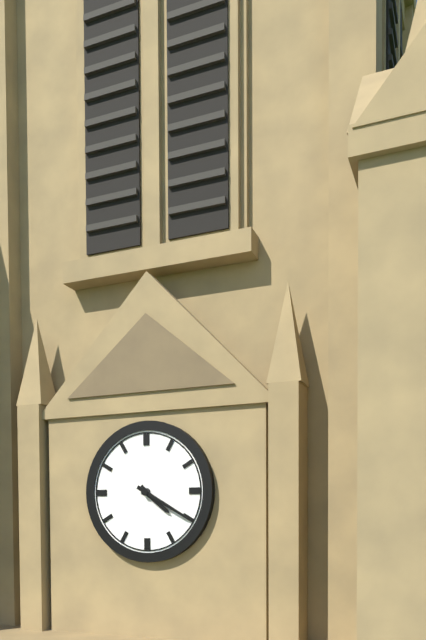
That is 4:20
